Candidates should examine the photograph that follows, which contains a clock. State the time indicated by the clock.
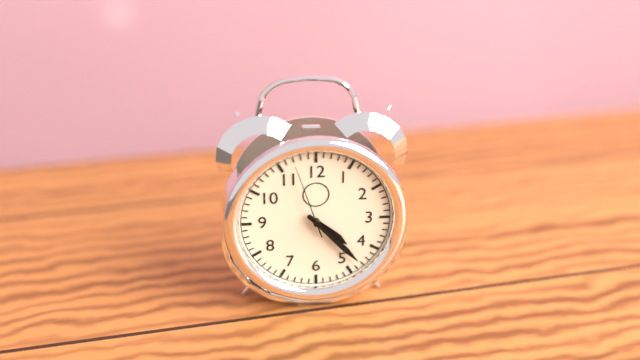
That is 4:23:57
